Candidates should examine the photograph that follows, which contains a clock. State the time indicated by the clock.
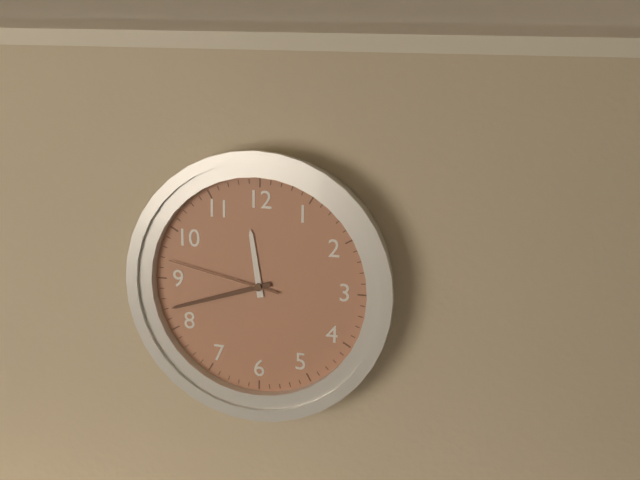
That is 11:42:47
